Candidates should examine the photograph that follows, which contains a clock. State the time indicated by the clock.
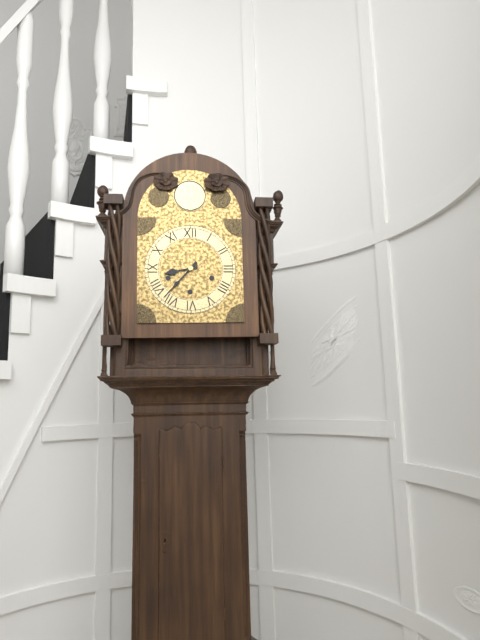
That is 8:37
